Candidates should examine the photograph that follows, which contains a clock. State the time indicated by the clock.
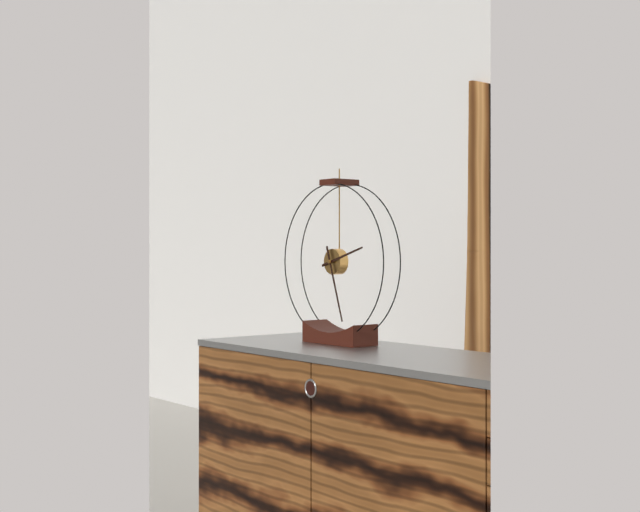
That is 2:27
